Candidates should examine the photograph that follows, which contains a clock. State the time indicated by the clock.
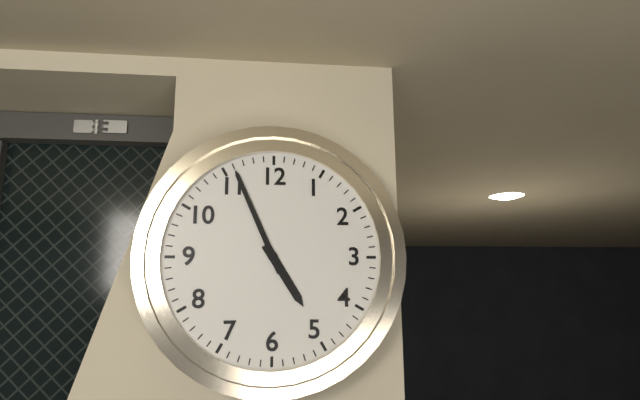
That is 4:56
